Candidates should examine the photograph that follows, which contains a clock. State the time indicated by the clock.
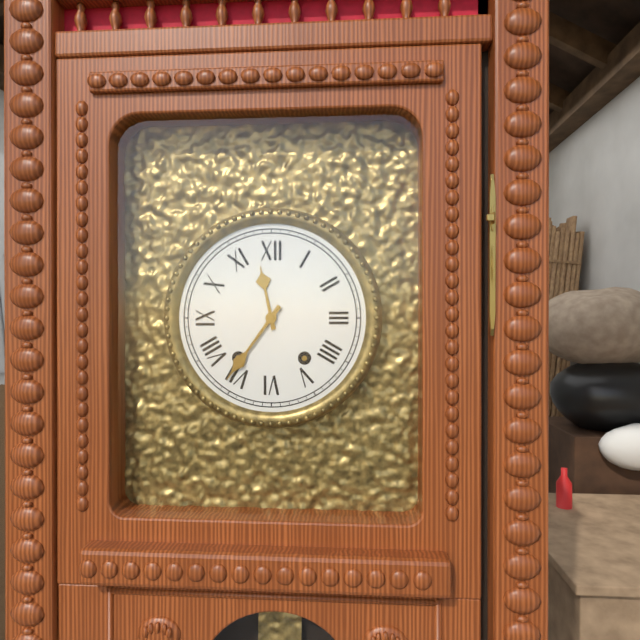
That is 11:36
